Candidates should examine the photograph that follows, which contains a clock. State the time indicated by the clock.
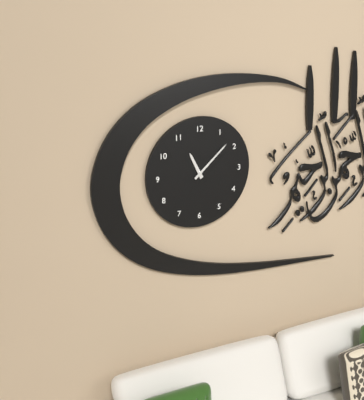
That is 11:08
